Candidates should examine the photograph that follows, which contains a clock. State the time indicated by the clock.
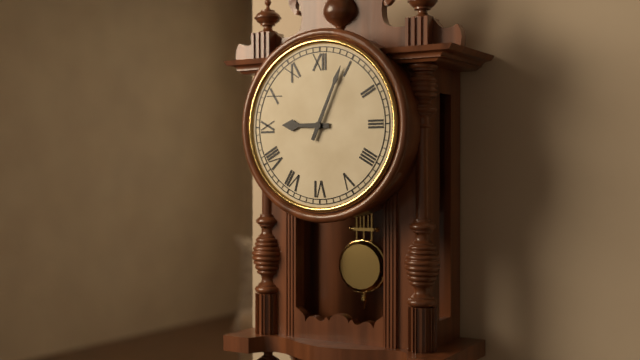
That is 9:04
